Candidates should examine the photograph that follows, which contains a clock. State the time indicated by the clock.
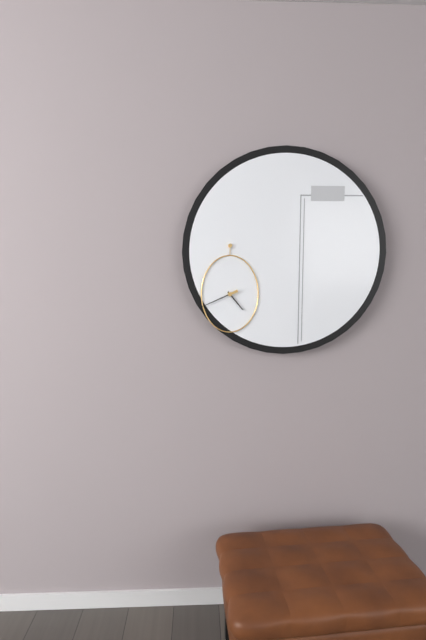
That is 4:41
